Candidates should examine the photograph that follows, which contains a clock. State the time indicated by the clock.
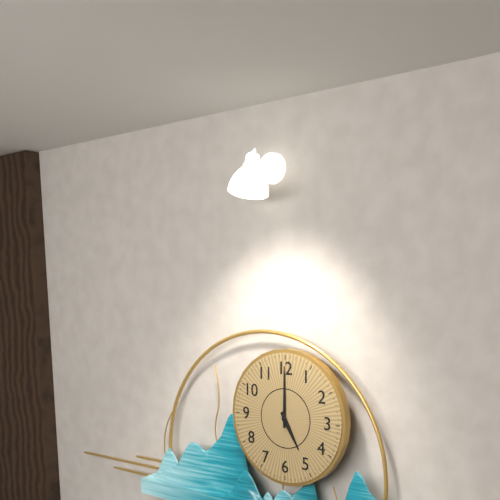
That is 5:00
